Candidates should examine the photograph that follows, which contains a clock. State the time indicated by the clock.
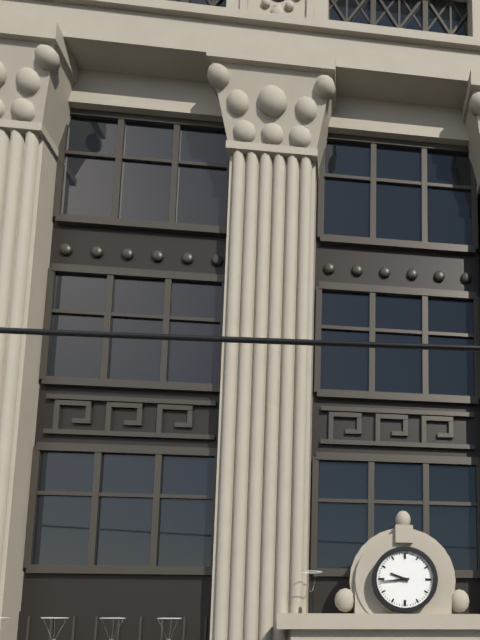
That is 9:44
